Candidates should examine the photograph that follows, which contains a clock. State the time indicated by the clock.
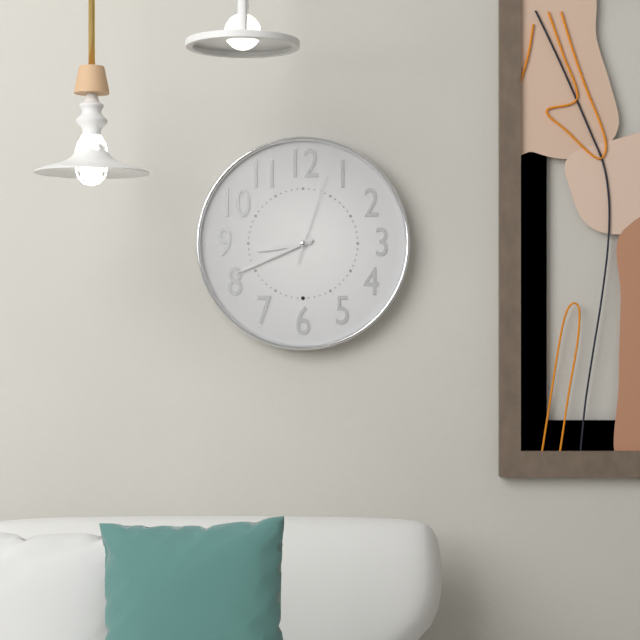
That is 8:41:03
